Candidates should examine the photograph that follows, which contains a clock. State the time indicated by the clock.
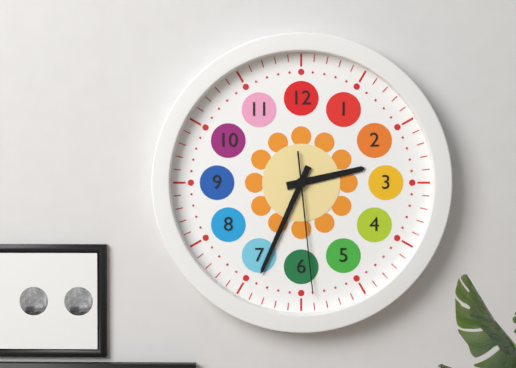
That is 2:34:29
